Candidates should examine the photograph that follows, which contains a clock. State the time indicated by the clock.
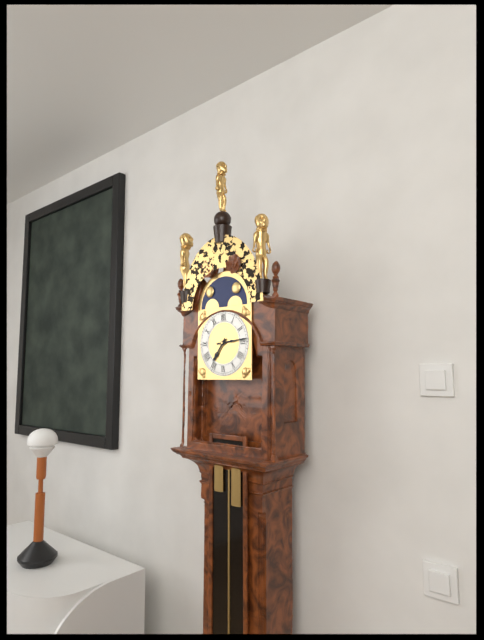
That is 7:14
